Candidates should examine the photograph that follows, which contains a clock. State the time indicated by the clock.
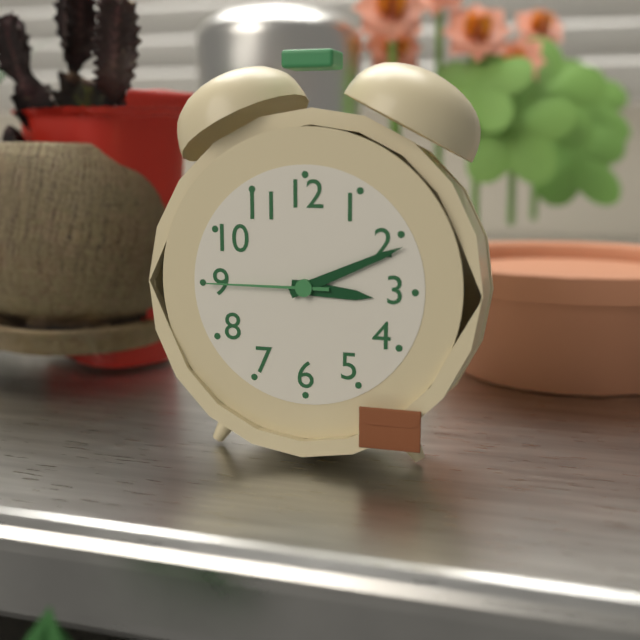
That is 3:11:45
